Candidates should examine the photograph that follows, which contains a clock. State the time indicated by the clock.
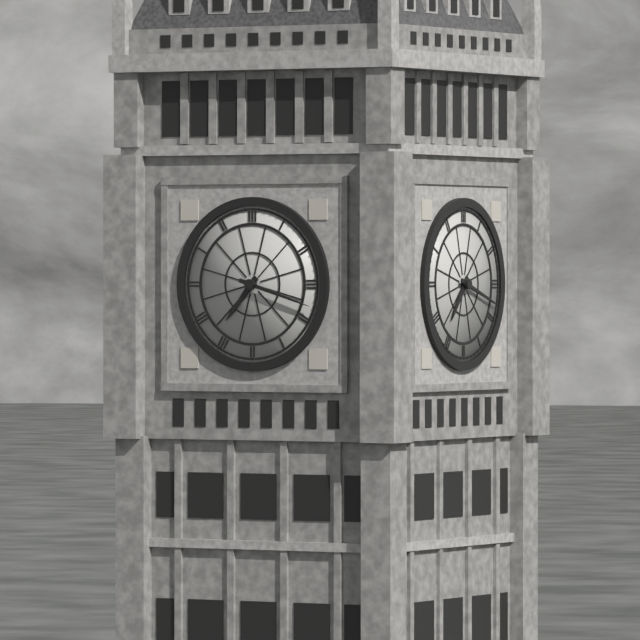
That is 7:18
